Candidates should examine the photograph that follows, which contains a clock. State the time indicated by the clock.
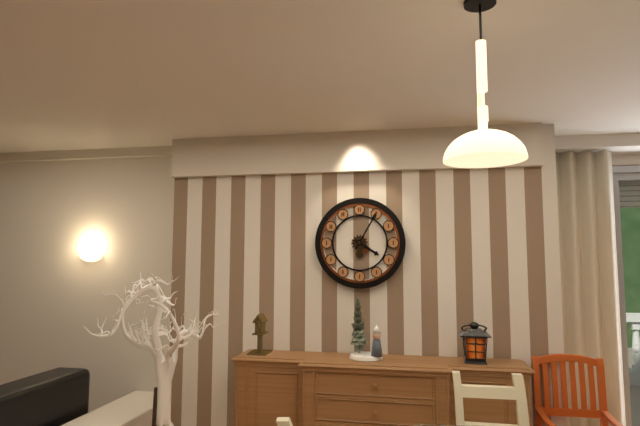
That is 4:05
